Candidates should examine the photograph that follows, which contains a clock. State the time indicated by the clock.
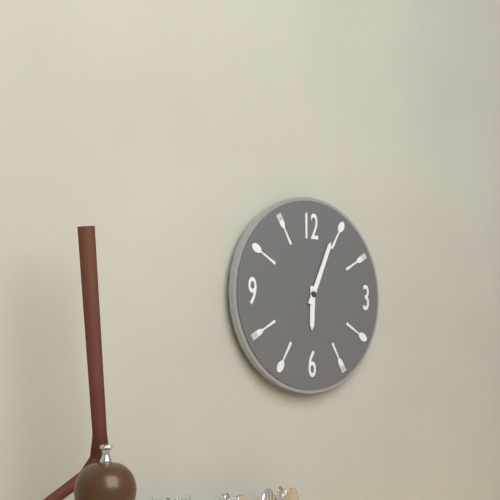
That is 6:04
